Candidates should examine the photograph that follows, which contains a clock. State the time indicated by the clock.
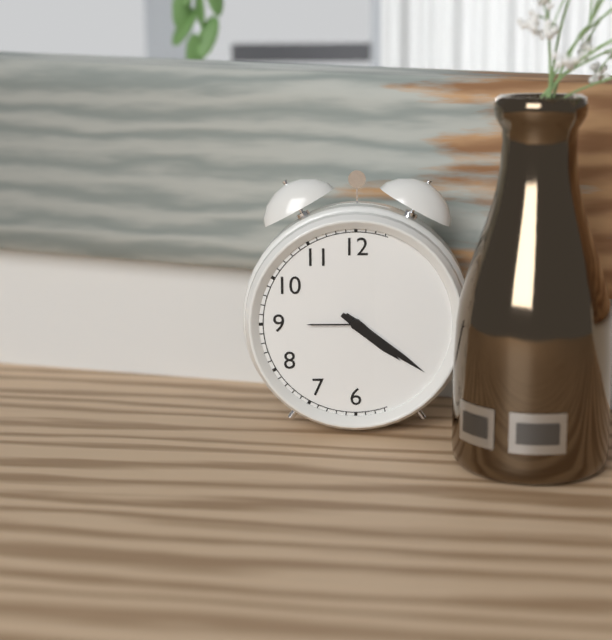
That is 4:21
